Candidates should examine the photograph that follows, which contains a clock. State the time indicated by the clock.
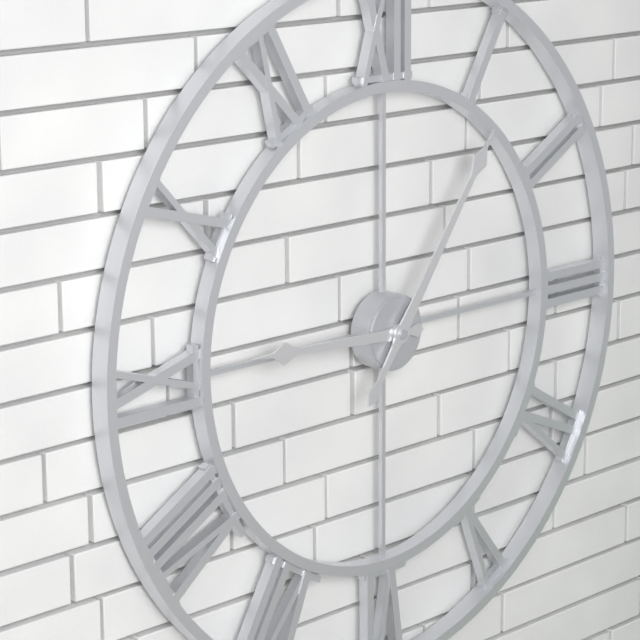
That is 9:06
